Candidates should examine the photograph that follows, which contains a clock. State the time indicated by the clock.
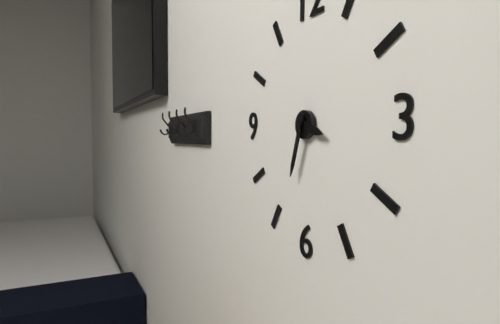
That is 3:33
